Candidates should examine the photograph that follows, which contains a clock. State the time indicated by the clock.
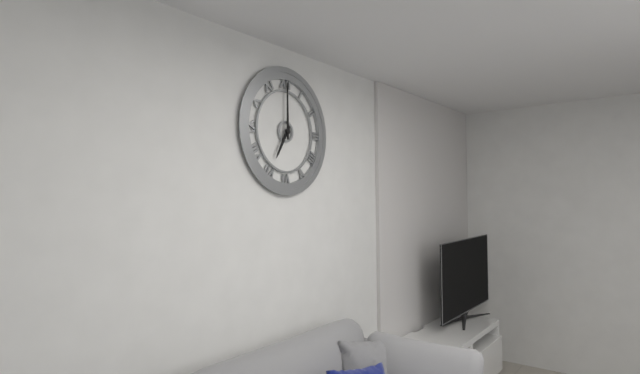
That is 7:00
